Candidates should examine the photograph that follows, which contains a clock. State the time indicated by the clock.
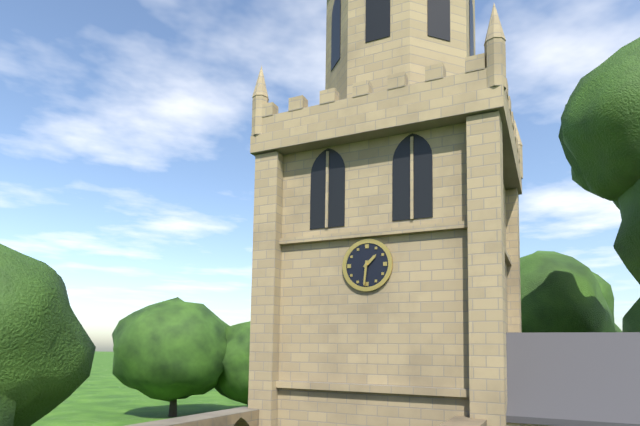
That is 1:31
